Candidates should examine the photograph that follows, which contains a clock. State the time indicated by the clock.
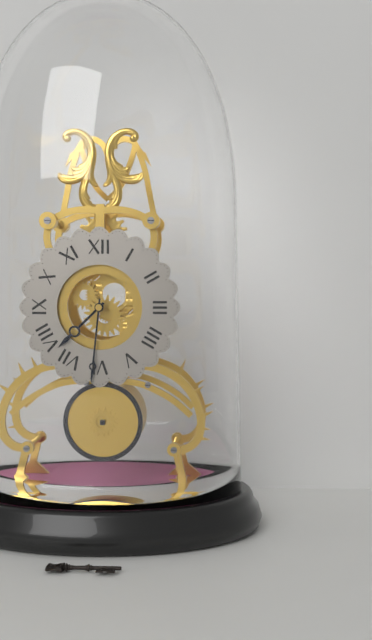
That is 7:31
